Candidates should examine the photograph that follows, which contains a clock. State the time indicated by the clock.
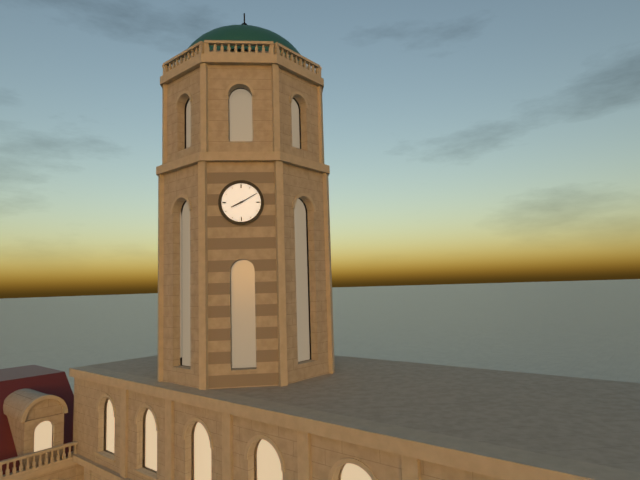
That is 8:10
